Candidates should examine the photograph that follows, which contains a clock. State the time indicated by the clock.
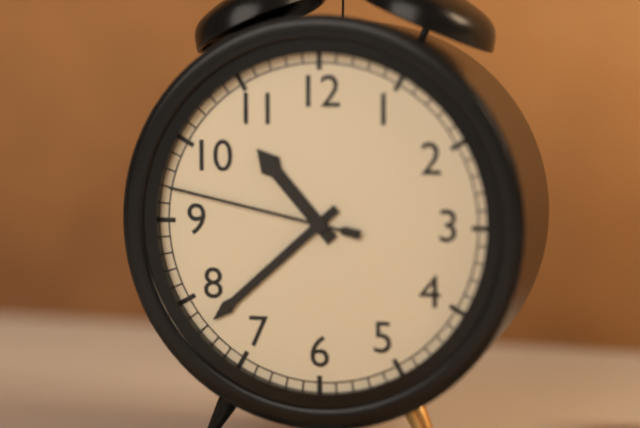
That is 10:38:47
